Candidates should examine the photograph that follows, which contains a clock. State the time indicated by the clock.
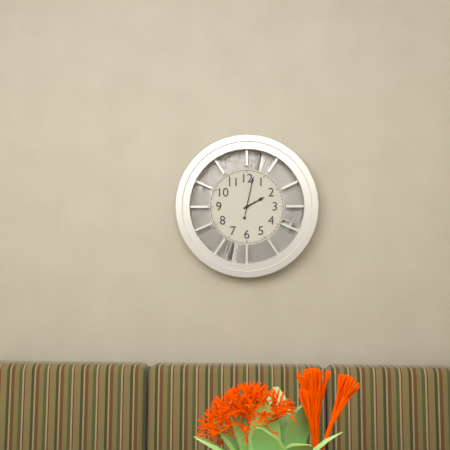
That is 2:02
